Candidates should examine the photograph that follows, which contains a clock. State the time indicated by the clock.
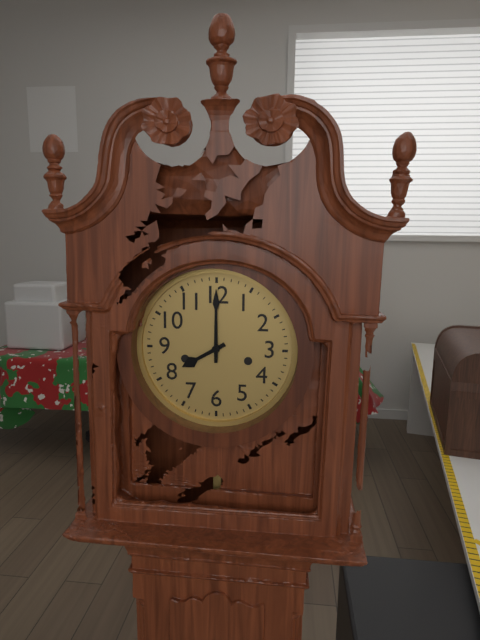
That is 8:00
